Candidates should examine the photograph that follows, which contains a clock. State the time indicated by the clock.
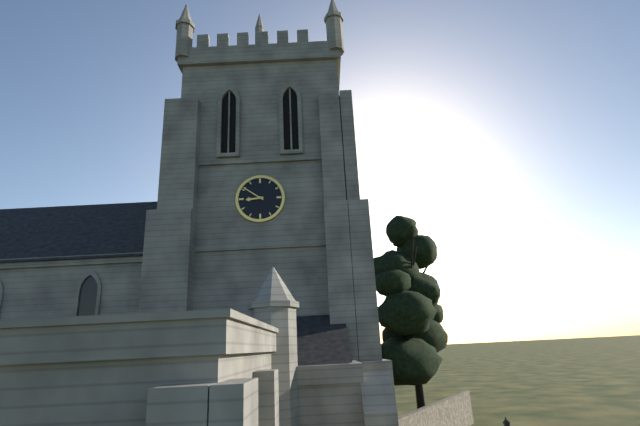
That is 8:51
